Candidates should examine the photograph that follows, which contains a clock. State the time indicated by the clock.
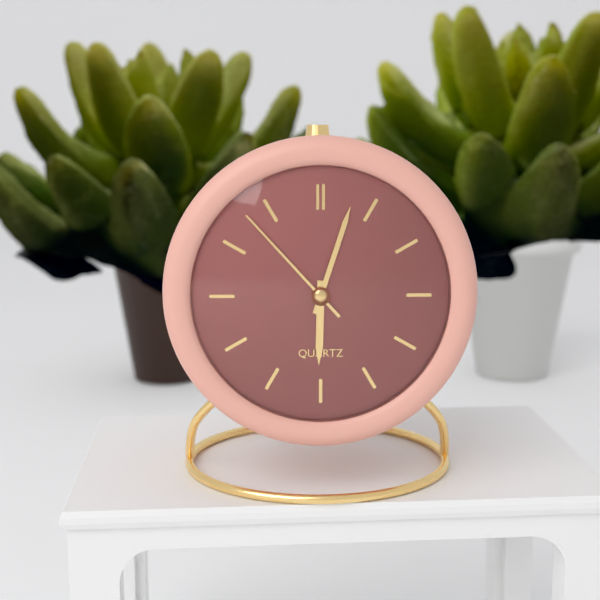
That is 6:03:53
